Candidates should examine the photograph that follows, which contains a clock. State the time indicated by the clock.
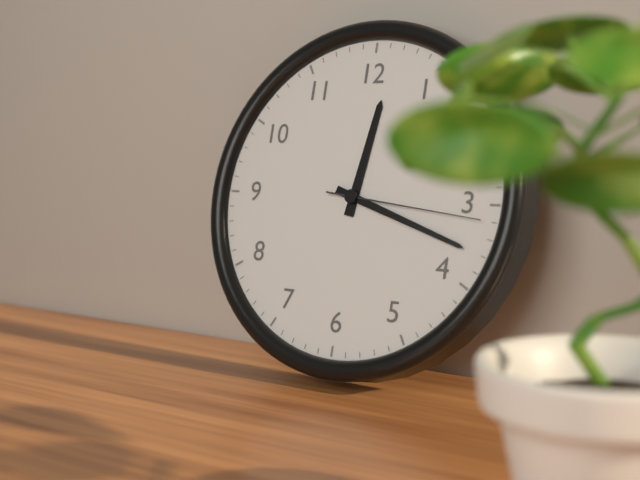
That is 12:18:16
